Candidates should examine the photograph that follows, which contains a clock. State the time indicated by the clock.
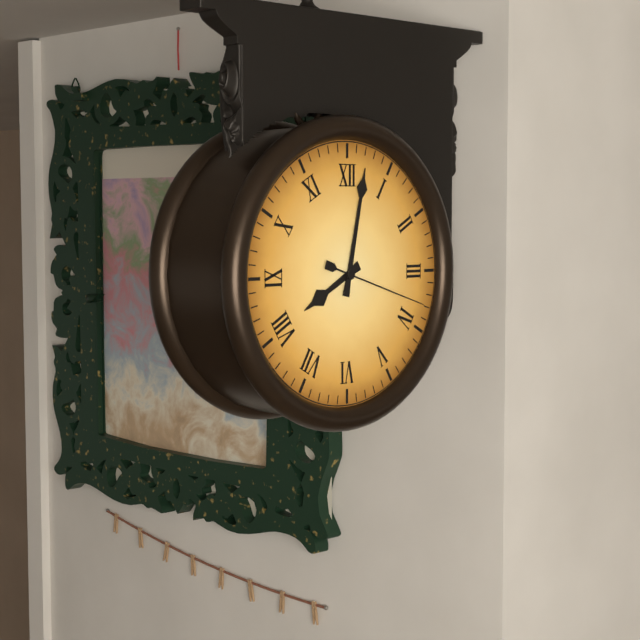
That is 8:02:18
